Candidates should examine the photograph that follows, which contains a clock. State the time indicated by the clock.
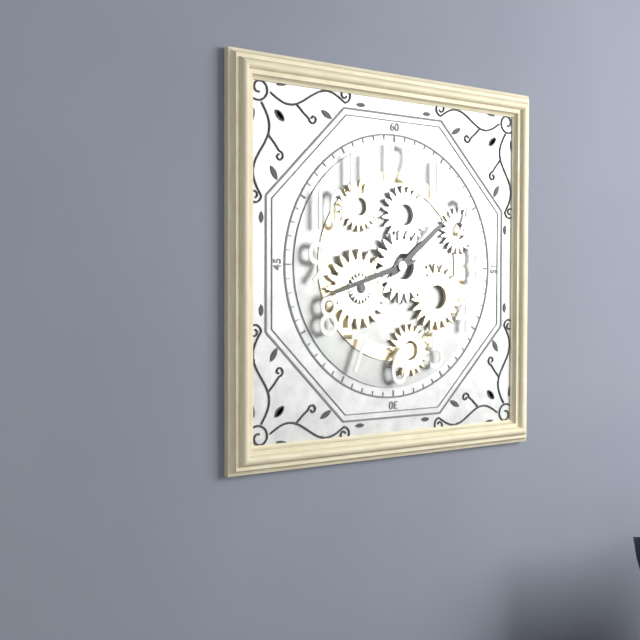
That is 1:42
